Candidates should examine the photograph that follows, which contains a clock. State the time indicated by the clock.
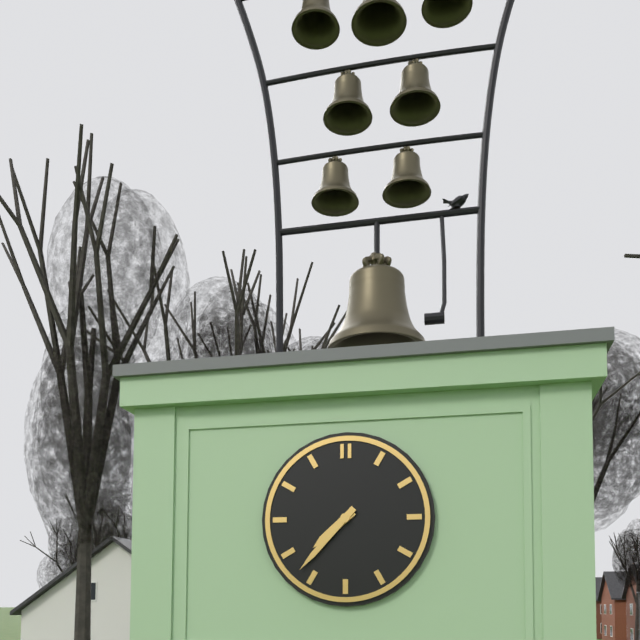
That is 7:37
